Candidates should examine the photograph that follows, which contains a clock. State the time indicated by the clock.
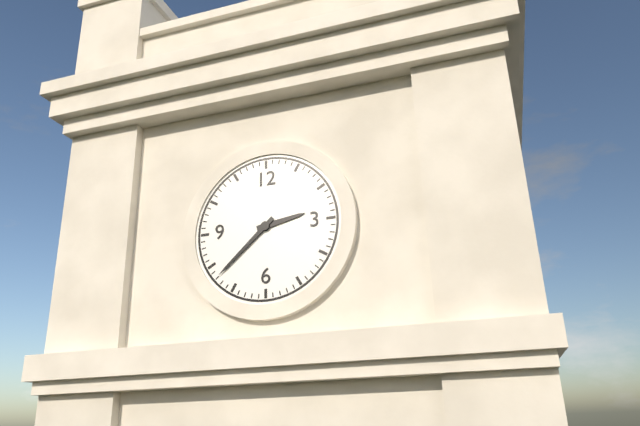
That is 2:38
